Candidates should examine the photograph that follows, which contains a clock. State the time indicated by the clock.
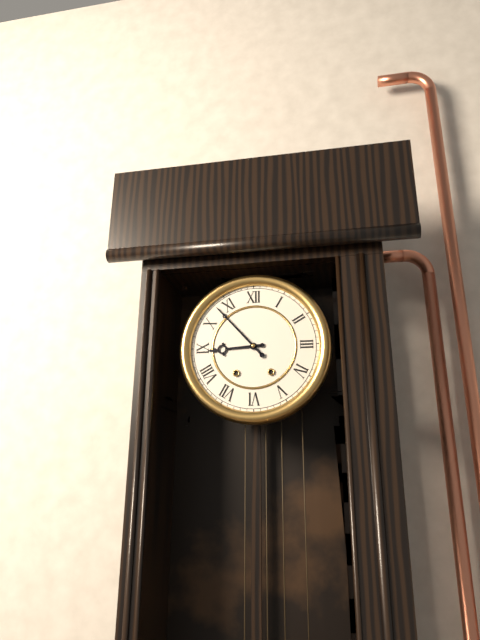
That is 8:53
